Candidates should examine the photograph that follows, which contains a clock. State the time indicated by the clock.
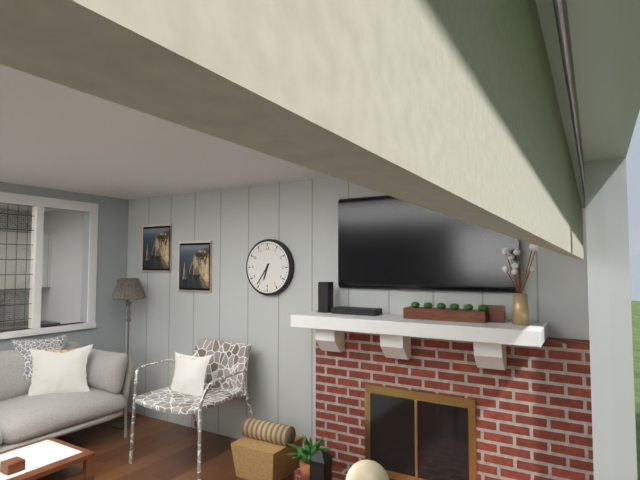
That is 6:36
